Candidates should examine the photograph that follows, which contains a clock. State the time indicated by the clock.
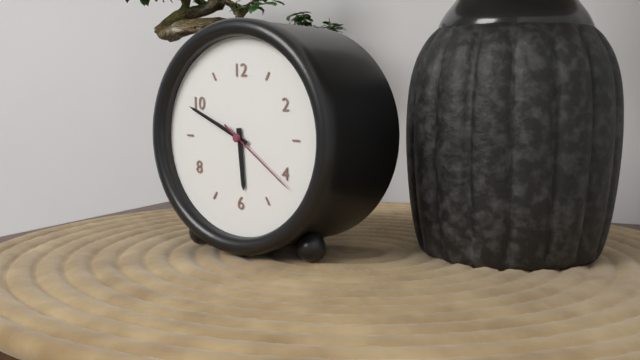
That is 5:49:21
